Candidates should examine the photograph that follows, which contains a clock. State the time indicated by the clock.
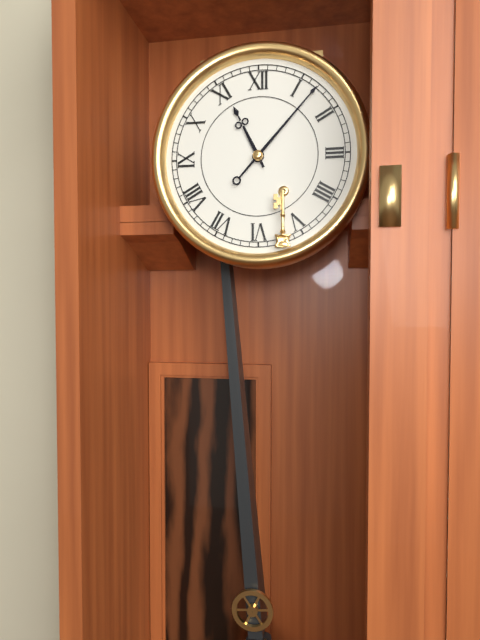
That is 11:07
